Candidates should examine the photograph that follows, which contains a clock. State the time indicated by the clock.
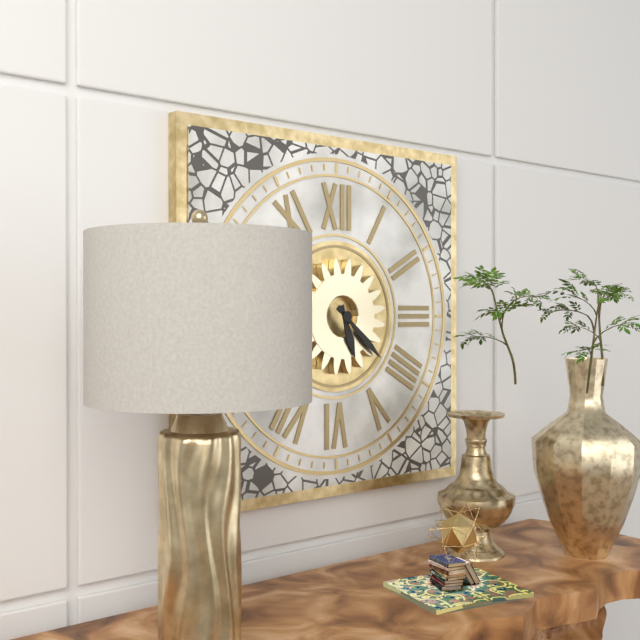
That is 5:22
